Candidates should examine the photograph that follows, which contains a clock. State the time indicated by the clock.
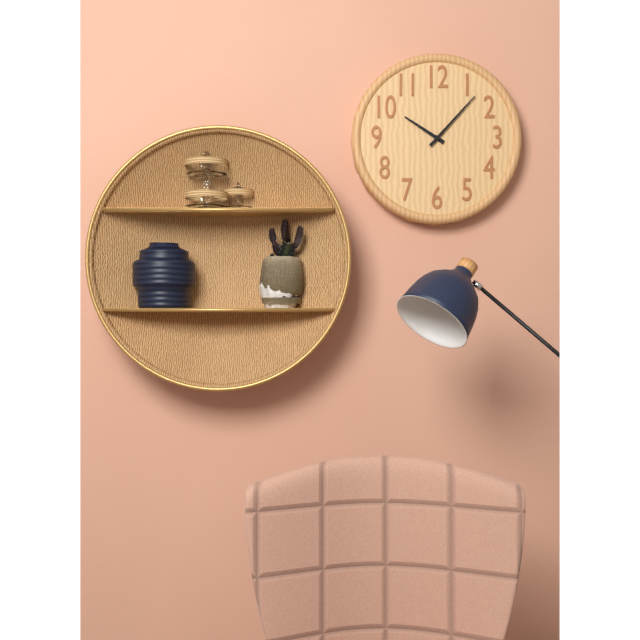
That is 10:07
